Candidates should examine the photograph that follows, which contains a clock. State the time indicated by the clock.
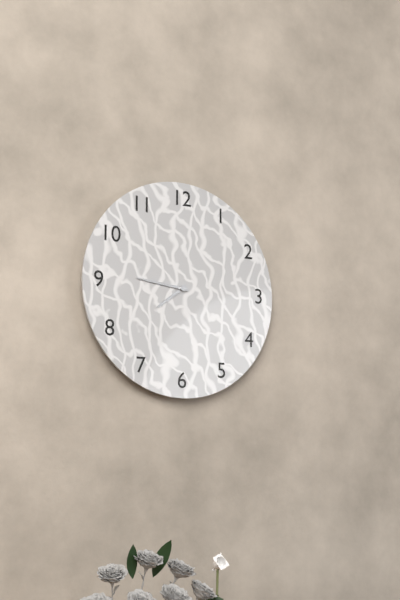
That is 7:46
